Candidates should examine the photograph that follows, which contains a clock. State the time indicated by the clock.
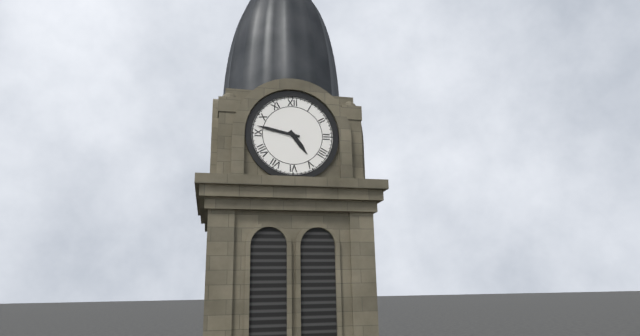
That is 4:47
